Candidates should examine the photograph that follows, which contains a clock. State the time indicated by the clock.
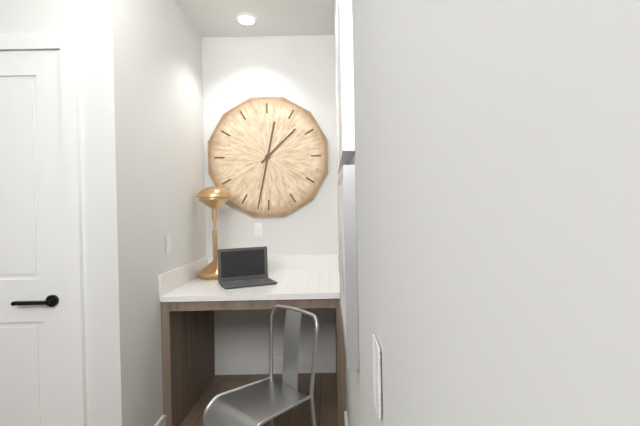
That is 1:32
